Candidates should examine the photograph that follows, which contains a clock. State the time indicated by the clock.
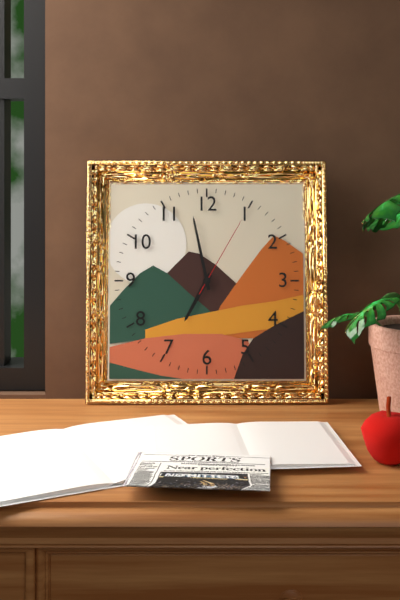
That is 6:58:05
